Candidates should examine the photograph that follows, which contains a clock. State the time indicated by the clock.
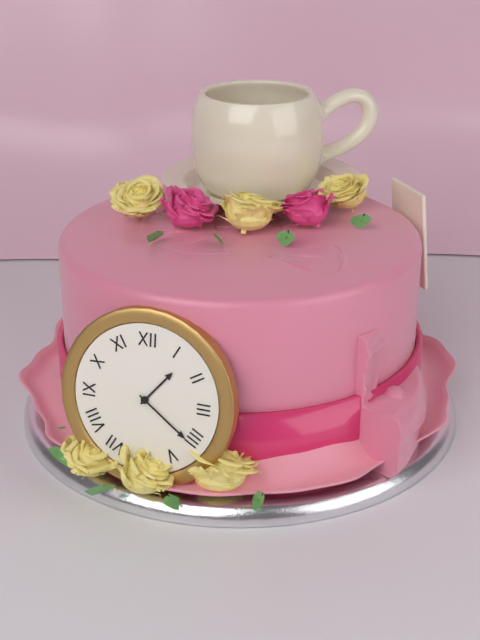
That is 1:21
